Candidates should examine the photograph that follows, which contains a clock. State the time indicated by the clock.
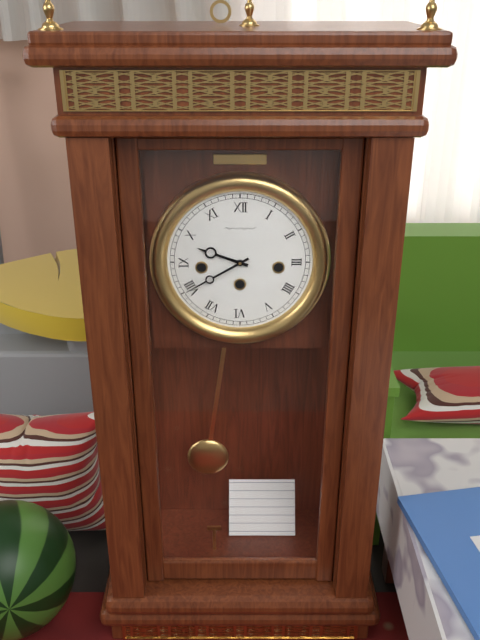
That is 9:40
